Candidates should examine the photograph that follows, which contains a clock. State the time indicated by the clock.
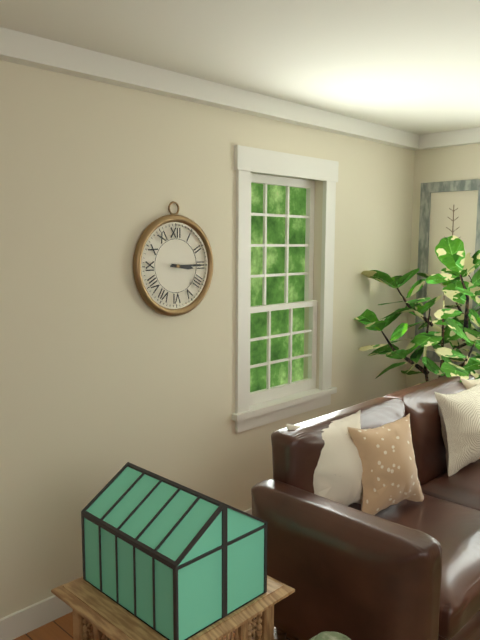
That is 3:15
